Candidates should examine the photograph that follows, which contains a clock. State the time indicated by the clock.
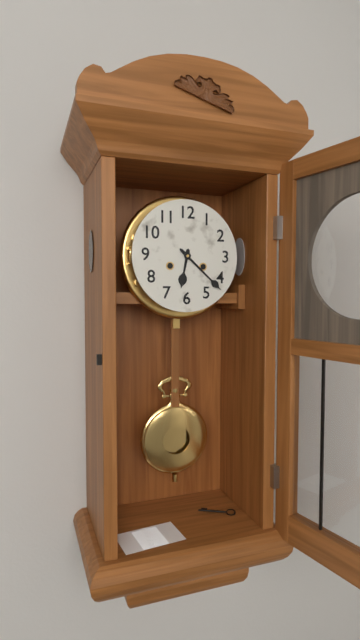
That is 6:22
